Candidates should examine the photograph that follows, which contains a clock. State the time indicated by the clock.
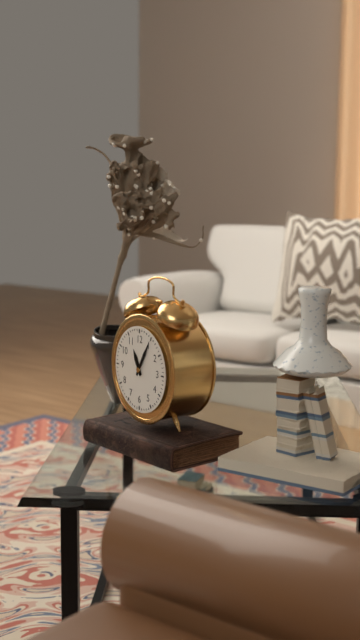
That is 11:05
